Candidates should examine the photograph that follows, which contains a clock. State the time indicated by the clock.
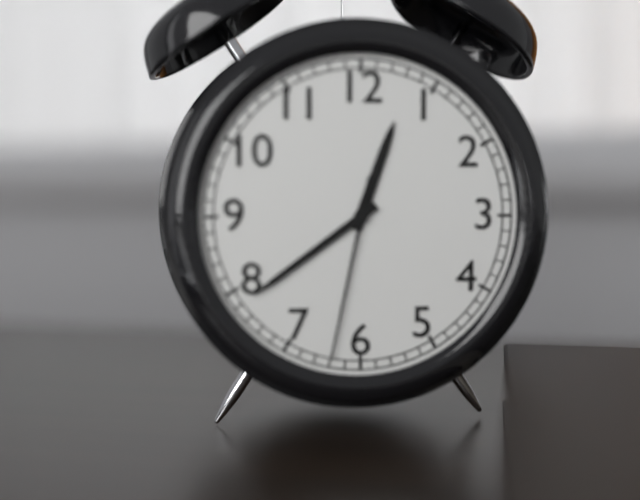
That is 12:39:32
